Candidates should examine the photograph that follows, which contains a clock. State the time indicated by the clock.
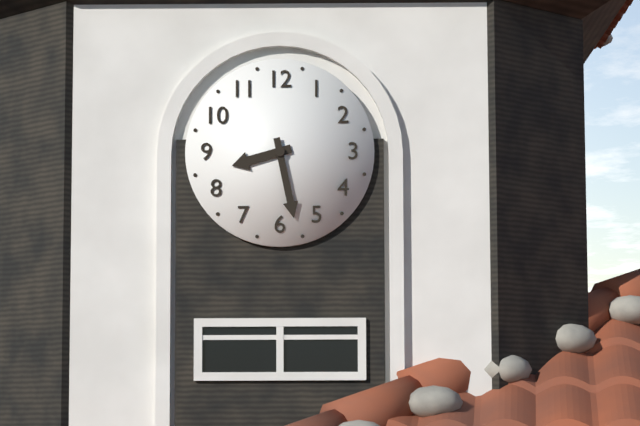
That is 8:28
